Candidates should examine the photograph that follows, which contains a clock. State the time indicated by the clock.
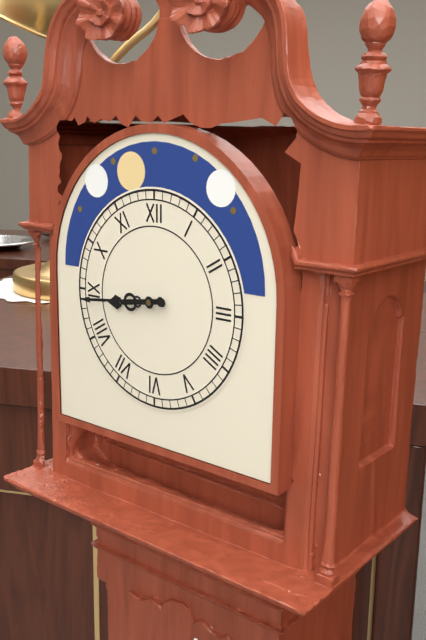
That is 8:44
